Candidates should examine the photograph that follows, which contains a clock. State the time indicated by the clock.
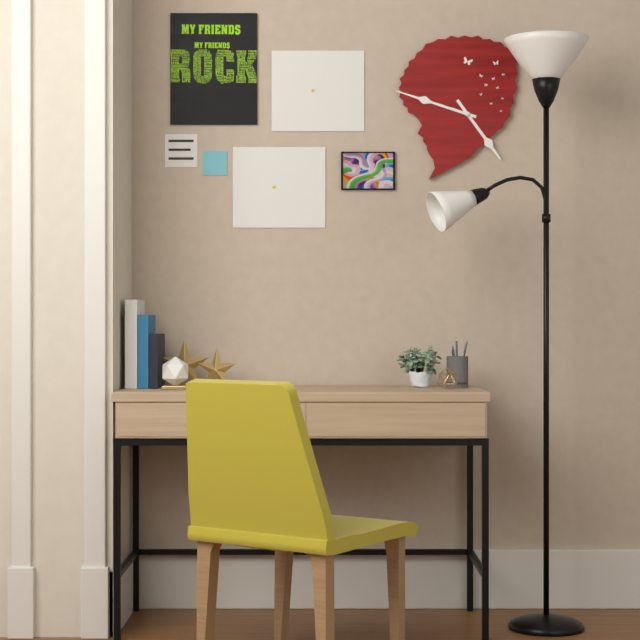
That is 4:48
